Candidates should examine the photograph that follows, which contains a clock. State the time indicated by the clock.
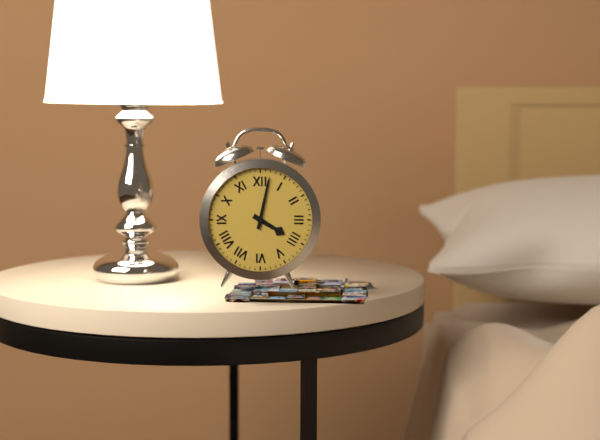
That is 4:02
